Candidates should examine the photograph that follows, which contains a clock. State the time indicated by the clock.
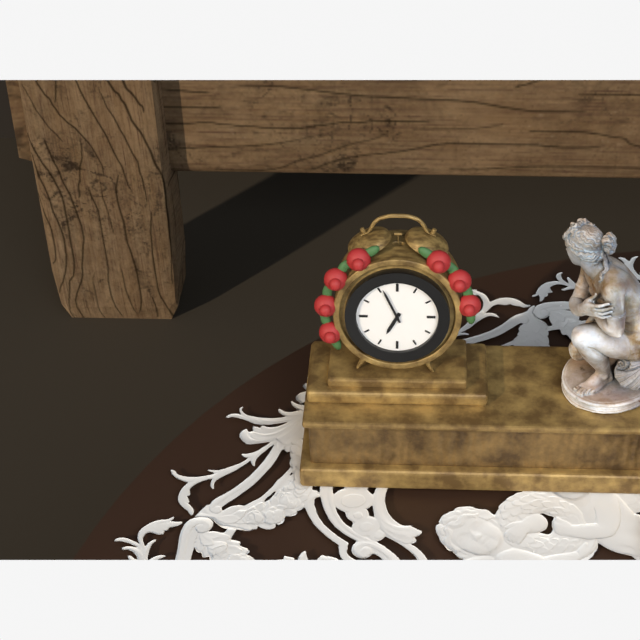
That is 6:56
